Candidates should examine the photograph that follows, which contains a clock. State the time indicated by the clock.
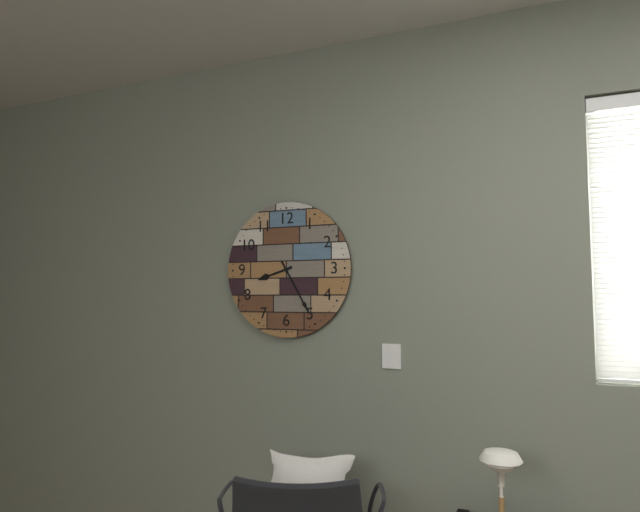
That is 8:25
